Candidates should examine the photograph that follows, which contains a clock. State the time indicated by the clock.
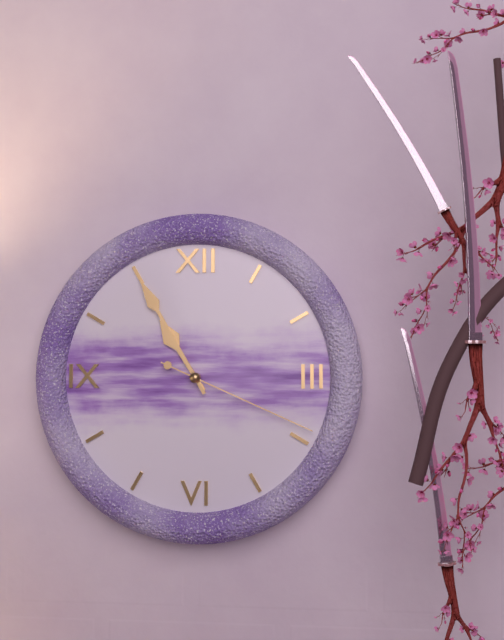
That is 10:55:19
